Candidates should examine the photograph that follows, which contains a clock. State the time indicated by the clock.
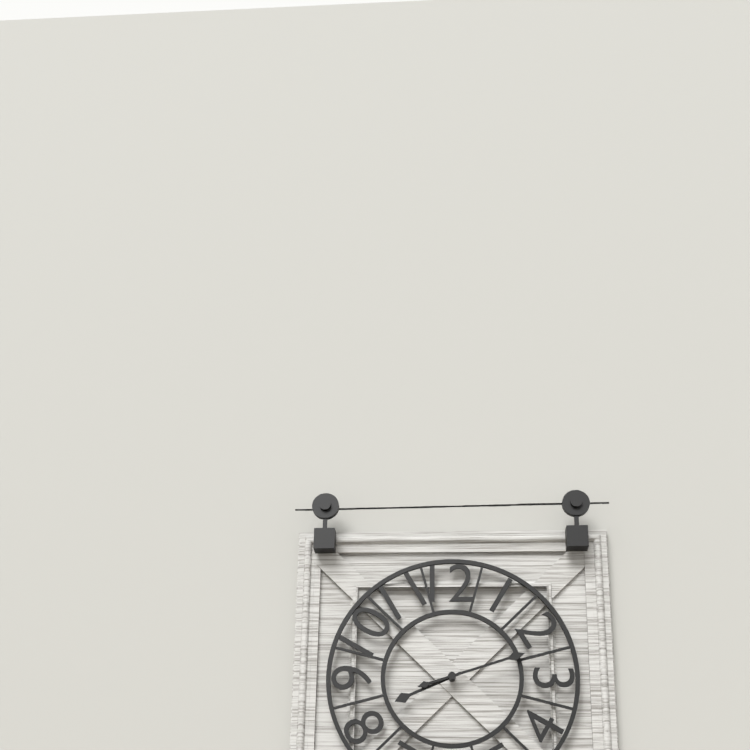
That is 8:12
